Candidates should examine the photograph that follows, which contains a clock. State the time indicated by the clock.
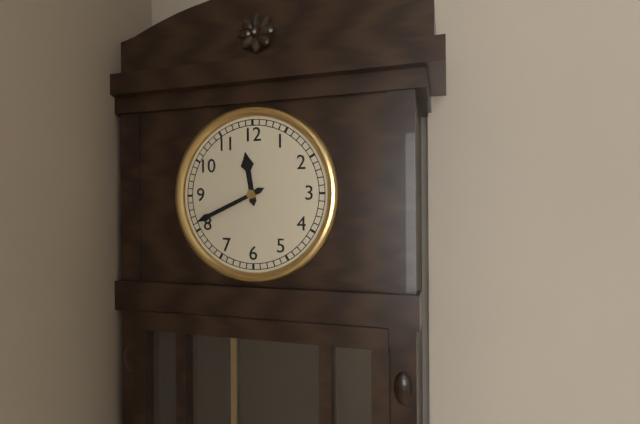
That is 11:41
